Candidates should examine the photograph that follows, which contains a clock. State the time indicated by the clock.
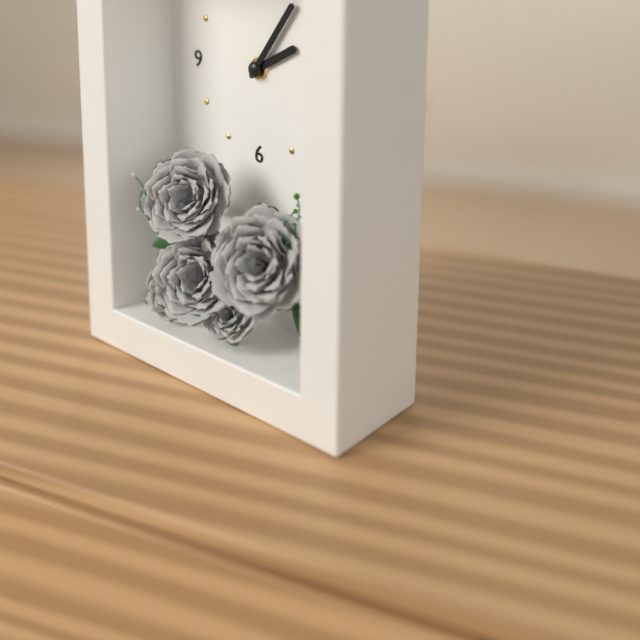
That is 2:06
